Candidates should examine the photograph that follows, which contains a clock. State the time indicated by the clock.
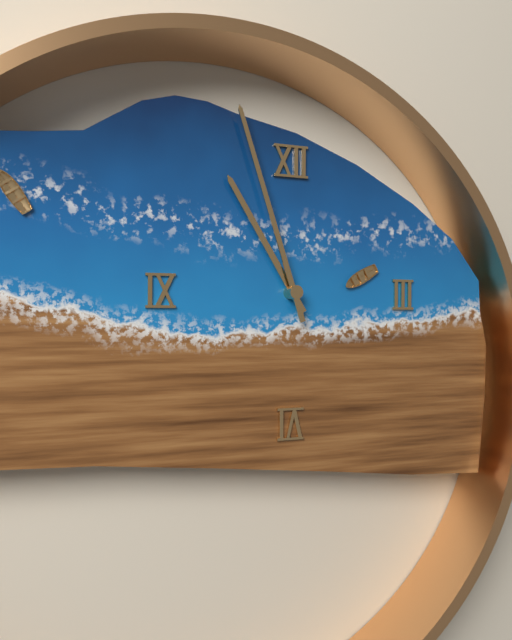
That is 10:57
